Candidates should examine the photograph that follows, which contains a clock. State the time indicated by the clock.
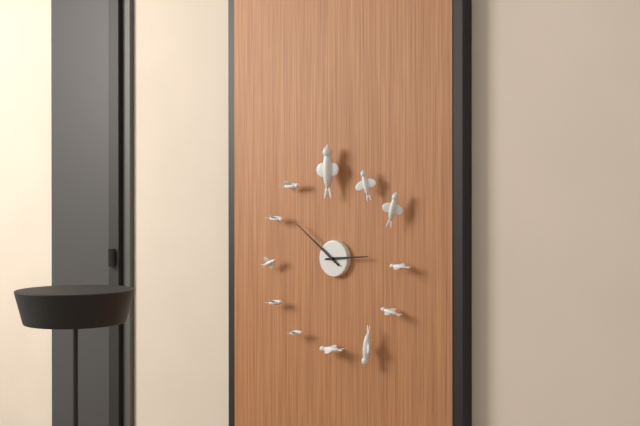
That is 2:51
